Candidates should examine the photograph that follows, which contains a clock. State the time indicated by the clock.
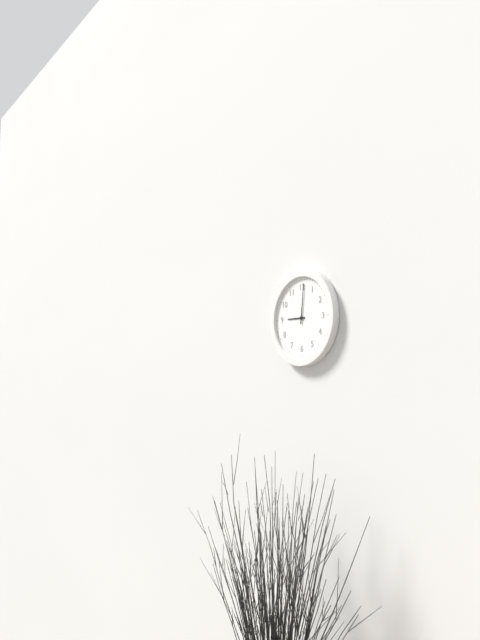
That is 9:01
